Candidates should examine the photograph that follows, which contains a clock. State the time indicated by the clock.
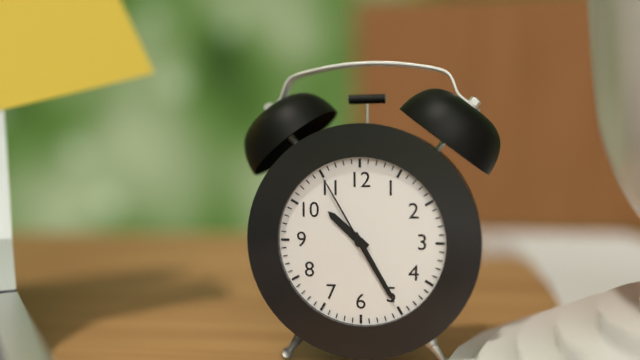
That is 10:25:55
